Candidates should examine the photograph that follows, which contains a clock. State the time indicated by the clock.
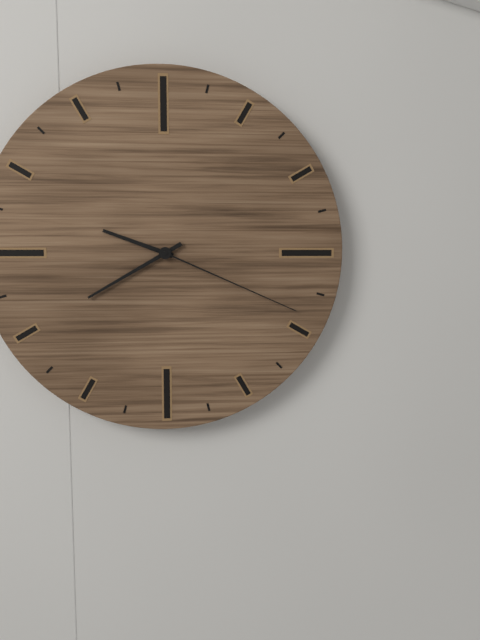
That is 9:40:19
